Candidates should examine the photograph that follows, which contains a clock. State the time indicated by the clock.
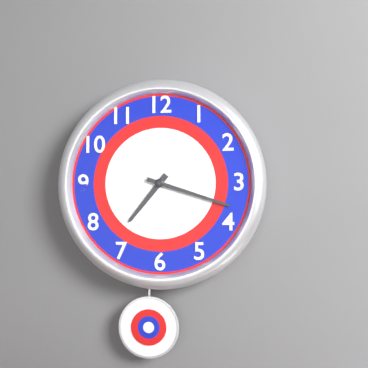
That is 7:18
